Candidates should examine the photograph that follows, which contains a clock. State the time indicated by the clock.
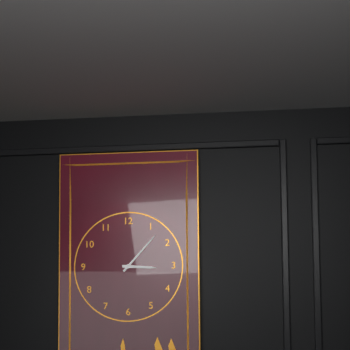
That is 3:07
